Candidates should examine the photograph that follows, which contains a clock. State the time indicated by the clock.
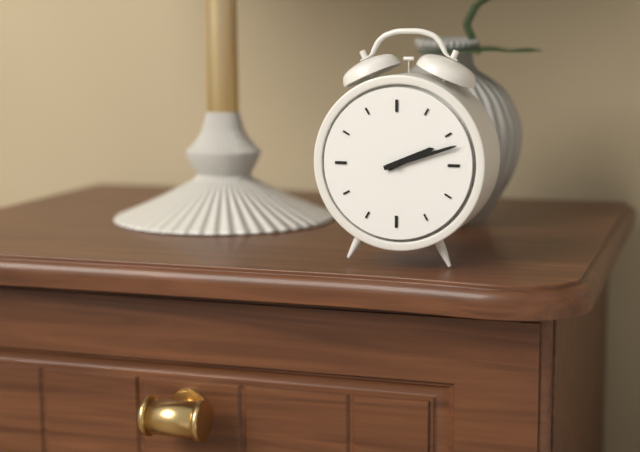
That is 2:12
